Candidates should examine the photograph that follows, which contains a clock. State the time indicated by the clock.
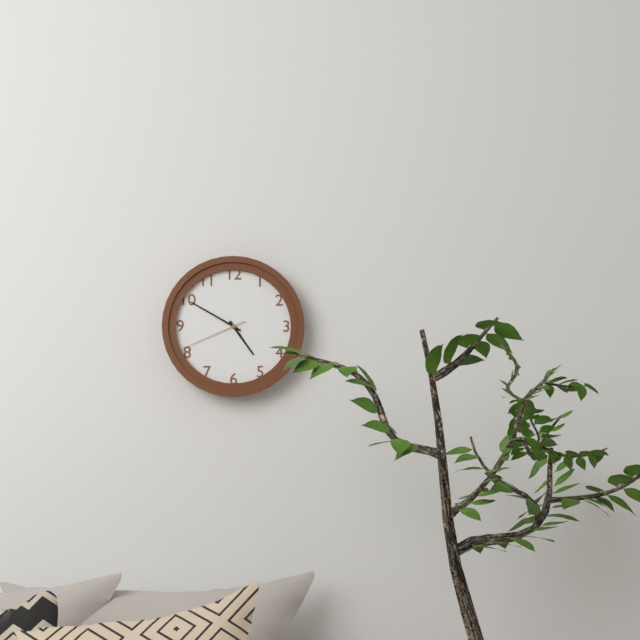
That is 4:50:41
